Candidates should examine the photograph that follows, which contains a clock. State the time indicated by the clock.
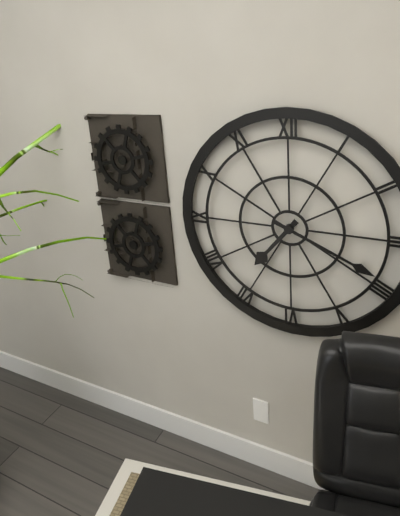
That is 7:19
